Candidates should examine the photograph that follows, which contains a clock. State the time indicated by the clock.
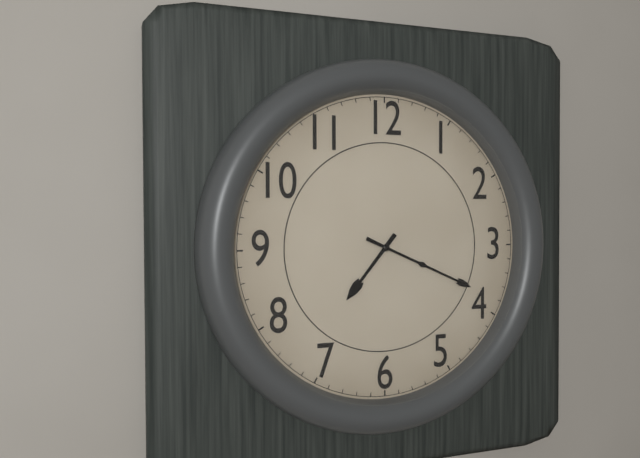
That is 7:19
